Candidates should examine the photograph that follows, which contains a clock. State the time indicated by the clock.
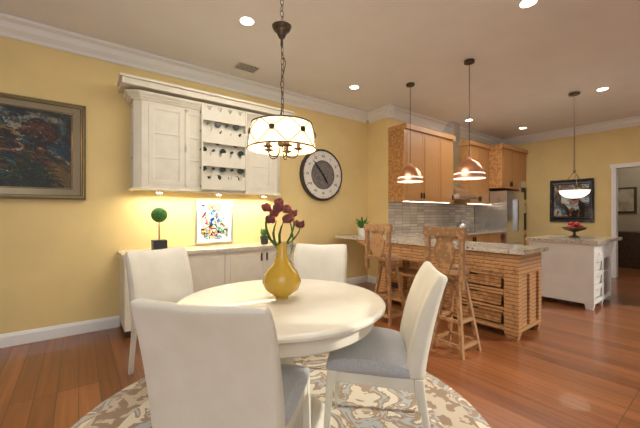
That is 4:53
